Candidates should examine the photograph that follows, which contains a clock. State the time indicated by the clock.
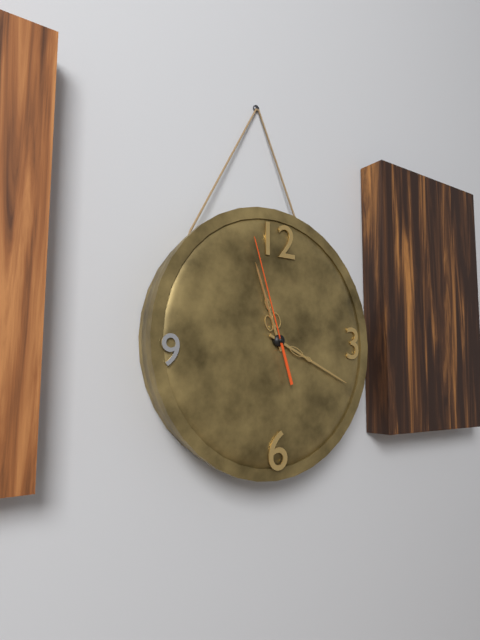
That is 11:19:57
